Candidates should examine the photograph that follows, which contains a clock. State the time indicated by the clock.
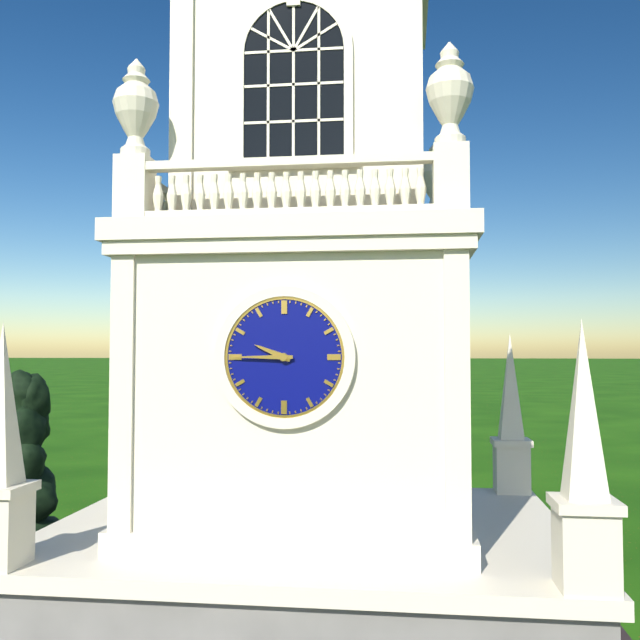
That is 9:45
